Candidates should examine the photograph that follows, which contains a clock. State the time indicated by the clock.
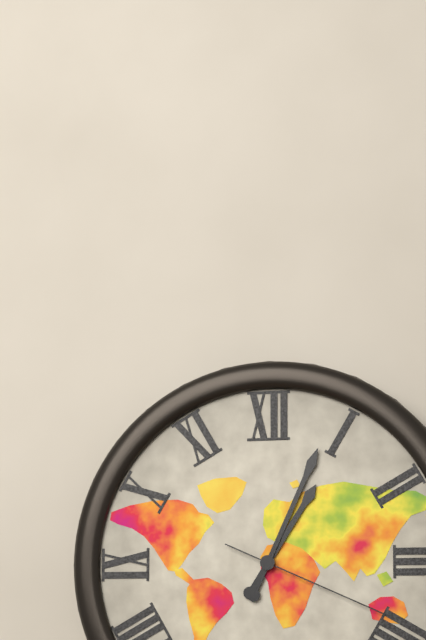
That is 1:04:19
